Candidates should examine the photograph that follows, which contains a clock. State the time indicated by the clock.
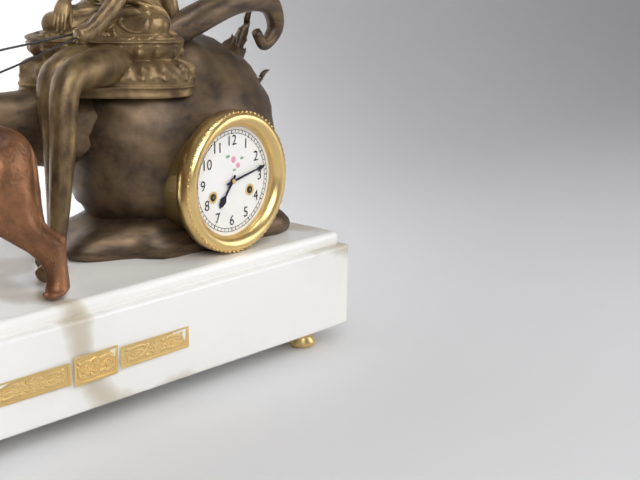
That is 7:13
